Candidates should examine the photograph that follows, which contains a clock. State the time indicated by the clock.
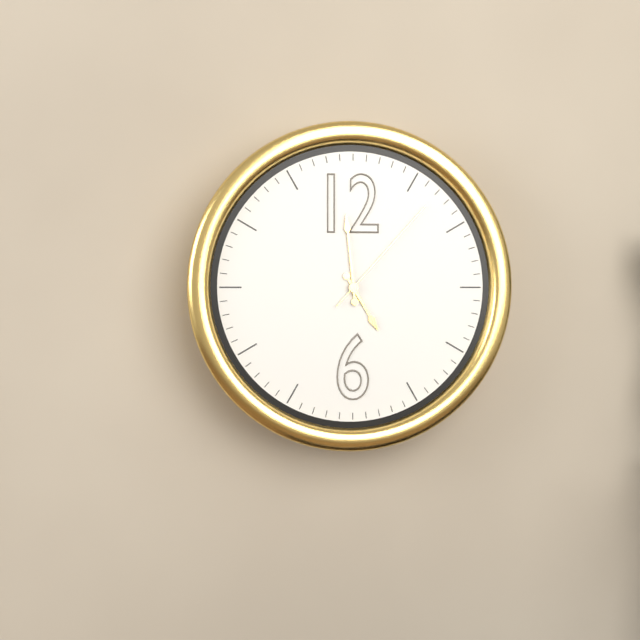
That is 4:59:07
